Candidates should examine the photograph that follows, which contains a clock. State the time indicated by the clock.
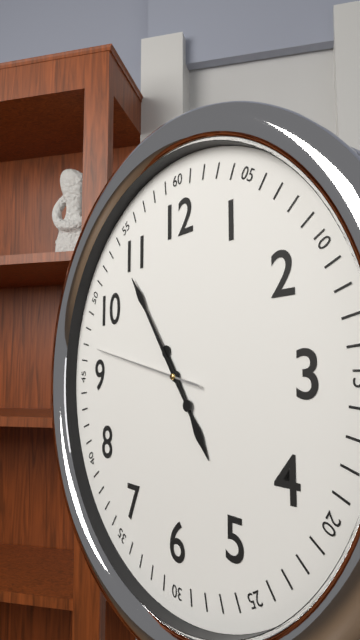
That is 4:54:47
